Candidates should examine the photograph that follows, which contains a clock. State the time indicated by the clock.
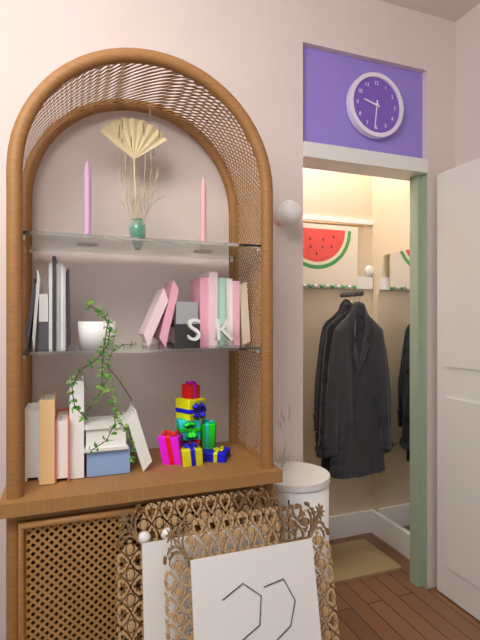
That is 9:31
